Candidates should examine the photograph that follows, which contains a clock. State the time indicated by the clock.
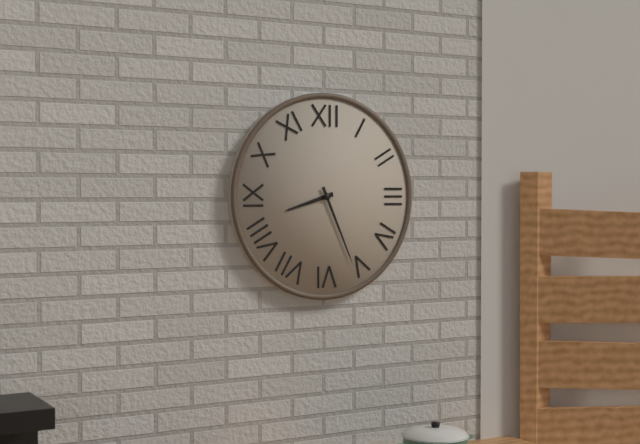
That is 8:26
